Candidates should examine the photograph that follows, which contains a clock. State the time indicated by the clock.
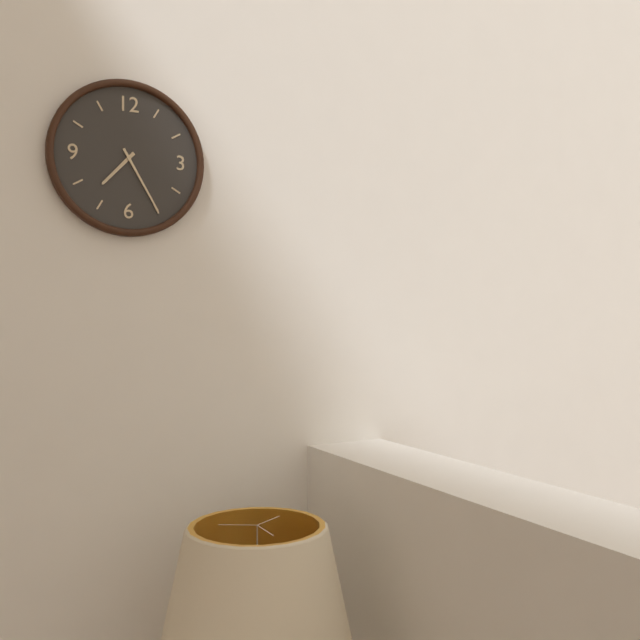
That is 7:25
